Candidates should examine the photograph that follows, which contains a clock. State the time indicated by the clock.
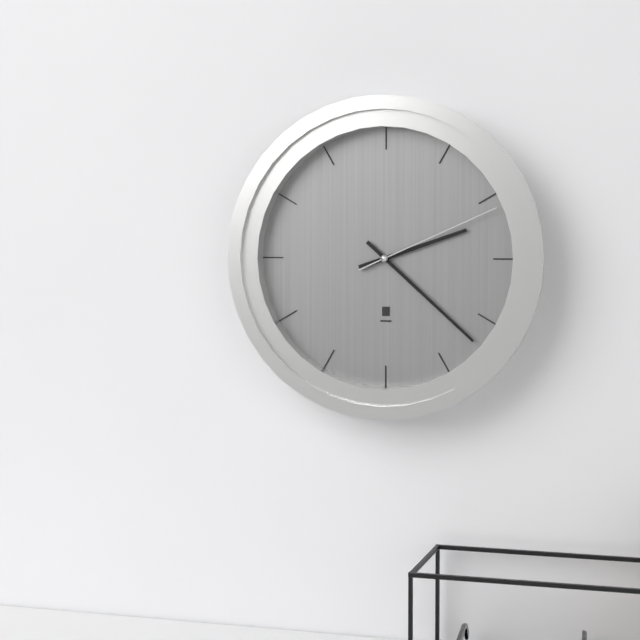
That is 2:22:11
